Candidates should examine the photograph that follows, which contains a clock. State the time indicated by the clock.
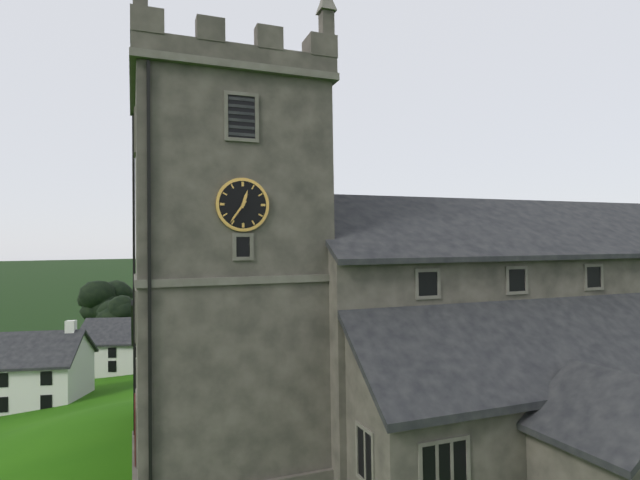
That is 12:36
